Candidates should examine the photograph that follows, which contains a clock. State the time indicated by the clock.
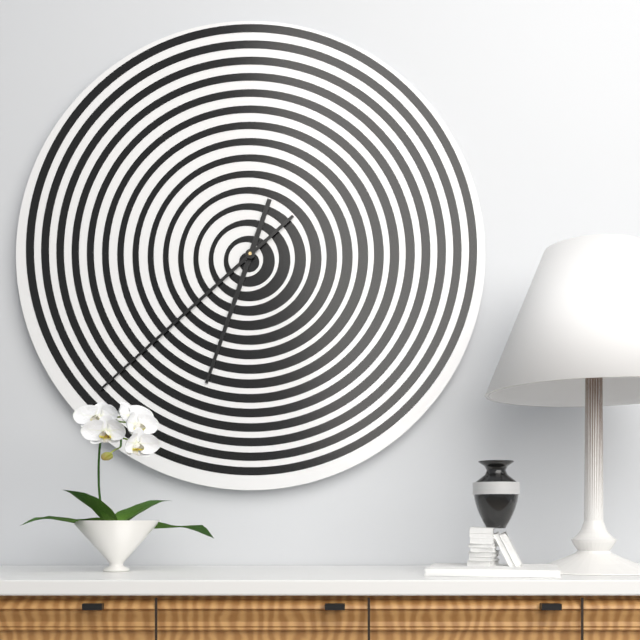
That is 6:38
